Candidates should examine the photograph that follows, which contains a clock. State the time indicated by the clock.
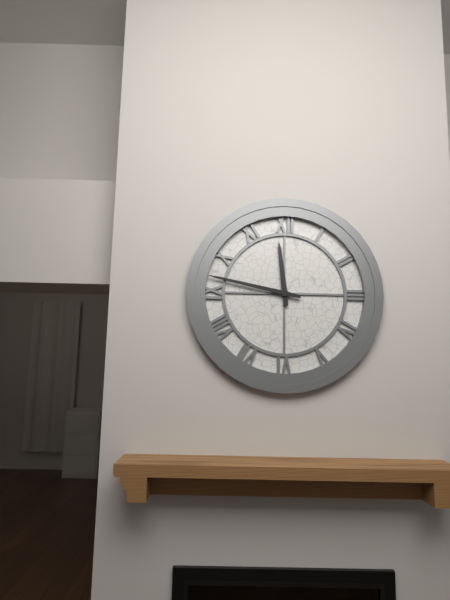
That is 11:47
